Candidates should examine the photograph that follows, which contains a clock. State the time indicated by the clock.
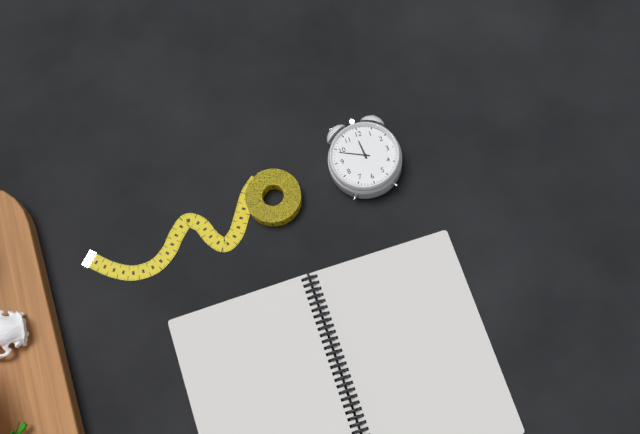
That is 11:49
